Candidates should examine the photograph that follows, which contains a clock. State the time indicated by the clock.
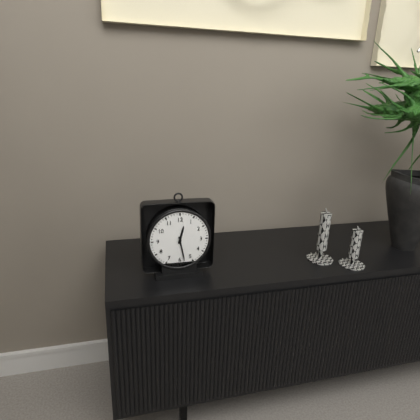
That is 12:28
